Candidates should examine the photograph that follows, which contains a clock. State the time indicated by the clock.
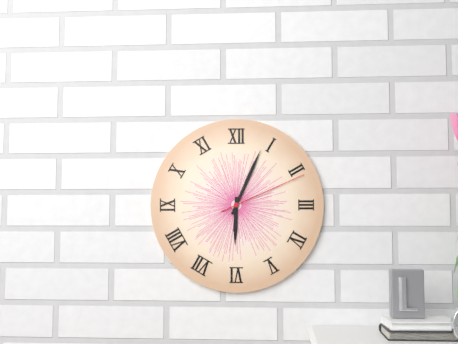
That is 6:04:11
